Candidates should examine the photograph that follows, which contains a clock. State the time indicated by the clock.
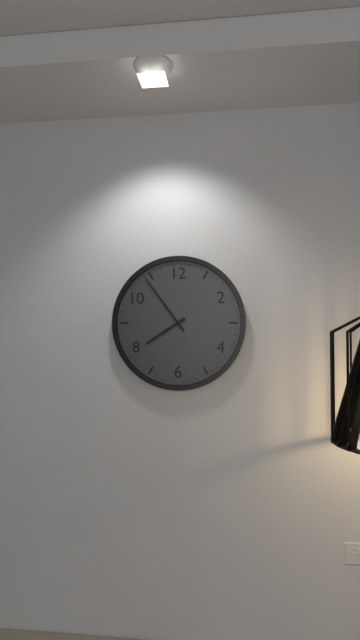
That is 7:54
